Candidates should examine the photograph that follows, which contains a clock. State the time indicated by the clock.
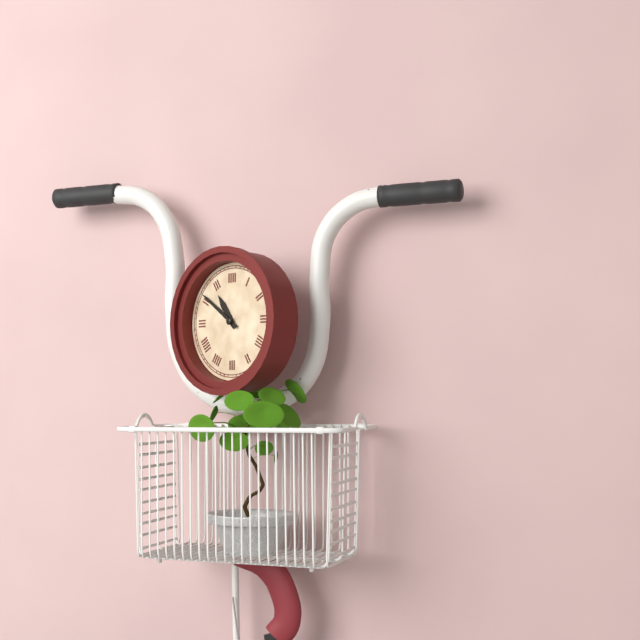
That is 10:51
